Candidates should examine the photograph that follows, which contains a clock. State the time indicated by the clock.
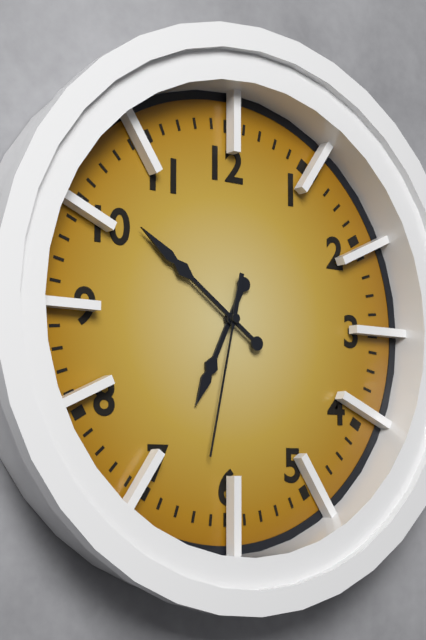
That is 6:51:32
